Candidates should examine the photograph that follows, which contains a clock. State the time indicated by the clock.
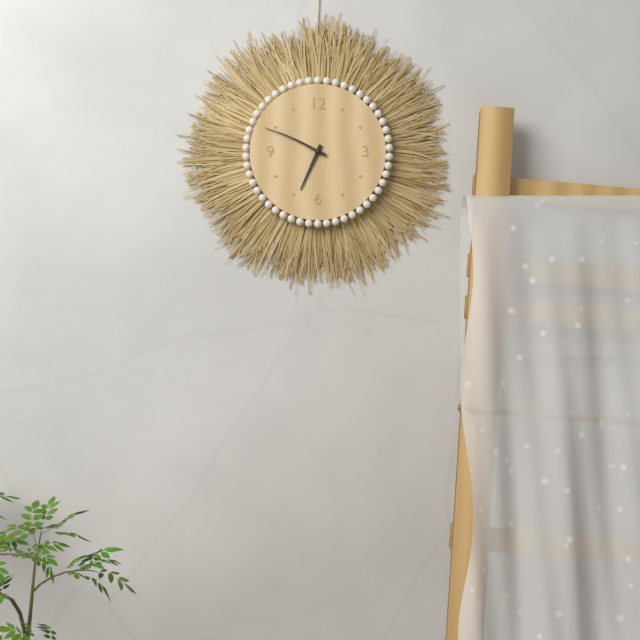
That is 6:49
